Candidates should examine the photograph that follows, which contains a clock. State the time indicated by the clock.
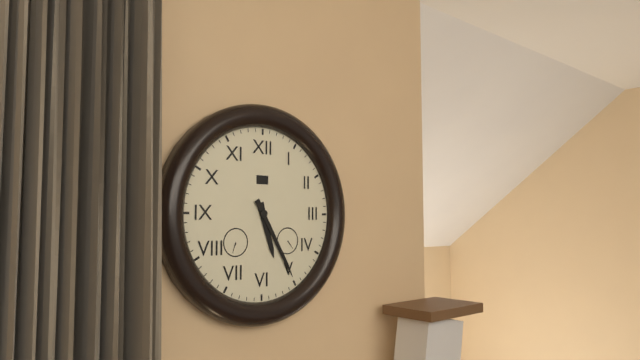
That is 5:25
